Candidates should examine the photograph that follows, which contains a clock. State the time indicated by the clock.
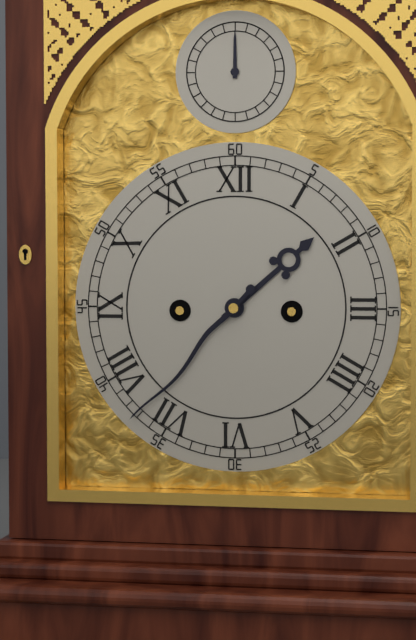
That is 1:37
